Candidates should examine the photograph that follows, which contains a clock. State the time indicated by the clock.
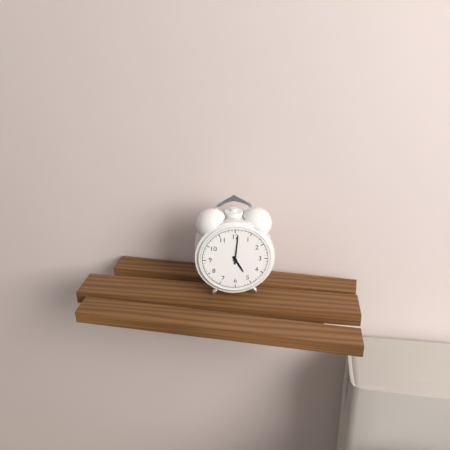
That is 5:01
